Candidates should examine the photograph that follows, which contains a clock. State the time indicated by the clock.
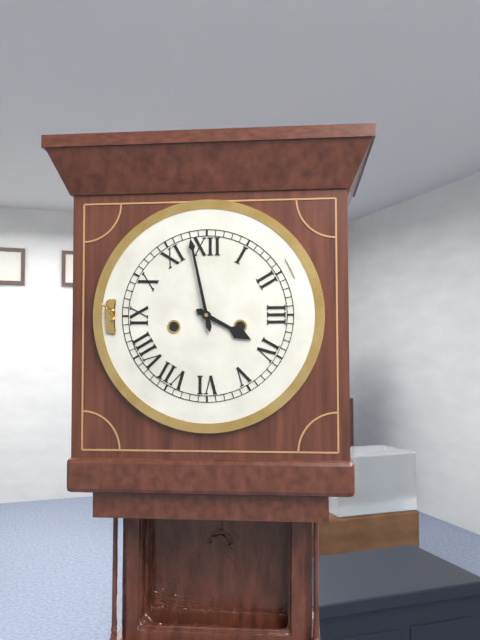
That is 3:58
